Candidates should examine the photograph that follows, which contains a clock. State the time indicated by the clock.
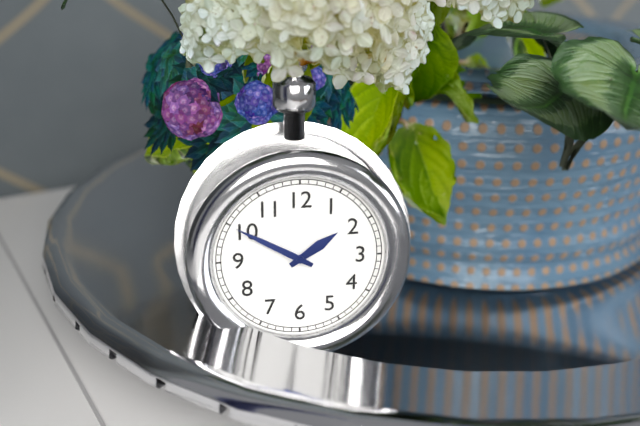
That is 1:50
